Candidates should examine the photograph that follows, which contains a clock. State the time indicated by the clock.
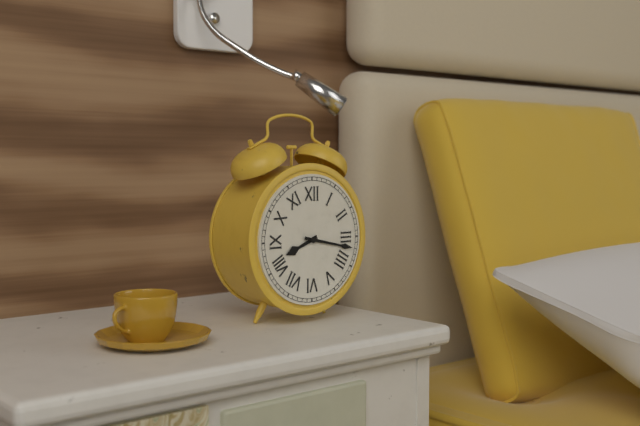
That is 8:17
